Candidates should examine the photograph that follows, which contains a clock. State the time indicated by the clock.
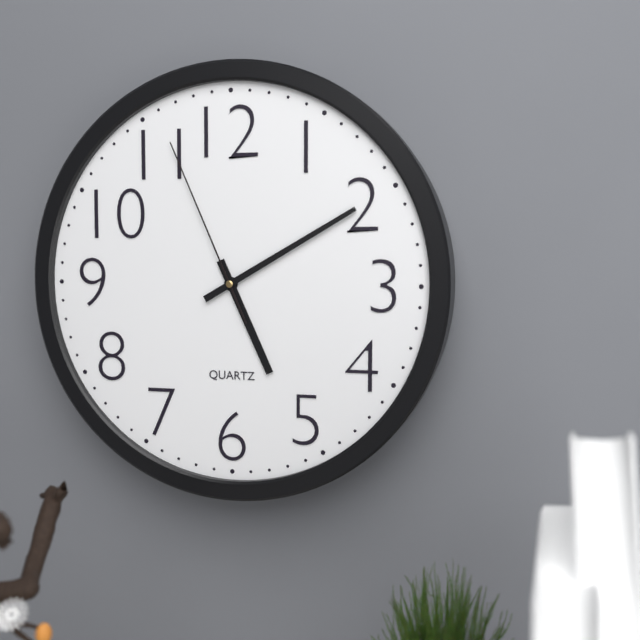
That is 5:10:56
